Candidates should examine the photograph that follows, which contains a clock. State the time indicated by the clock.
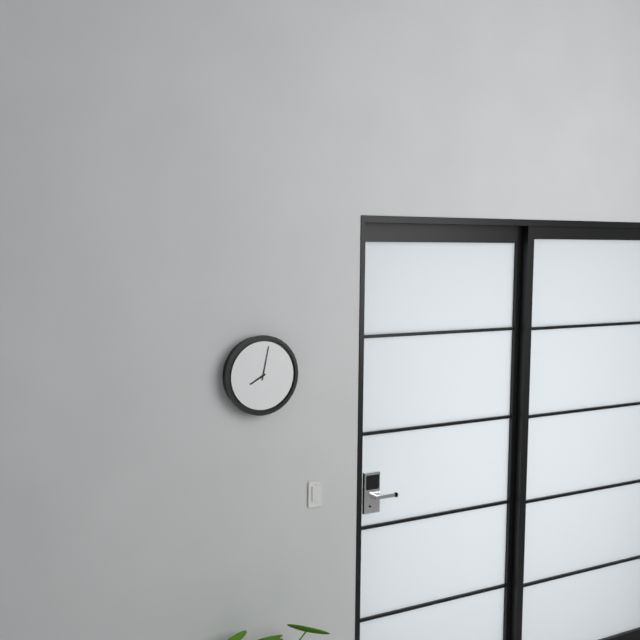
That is 8:02
